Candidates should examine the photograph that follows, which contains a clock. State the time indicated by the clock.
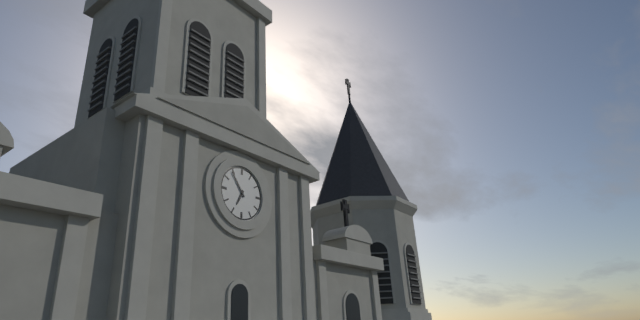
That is 6:54
